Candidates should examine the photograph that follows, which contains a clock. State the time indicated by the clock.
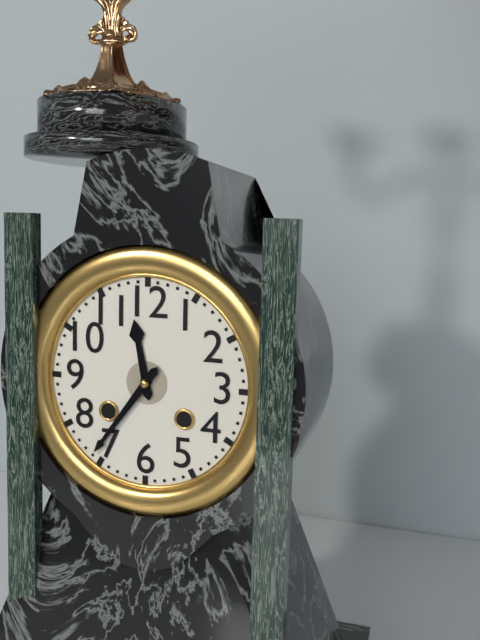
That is 11:36
